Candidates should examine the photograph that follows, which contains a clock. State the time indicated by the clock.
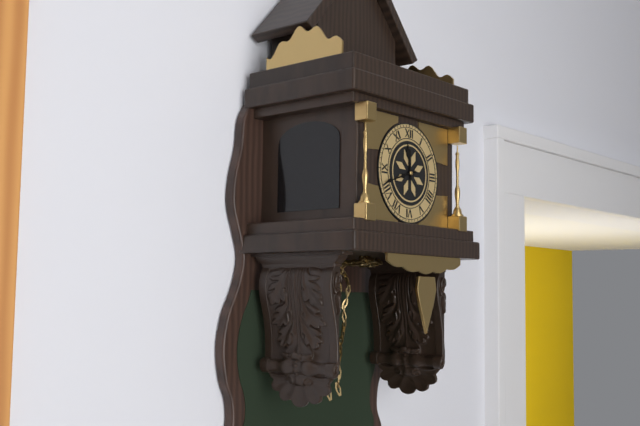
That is 11:42
